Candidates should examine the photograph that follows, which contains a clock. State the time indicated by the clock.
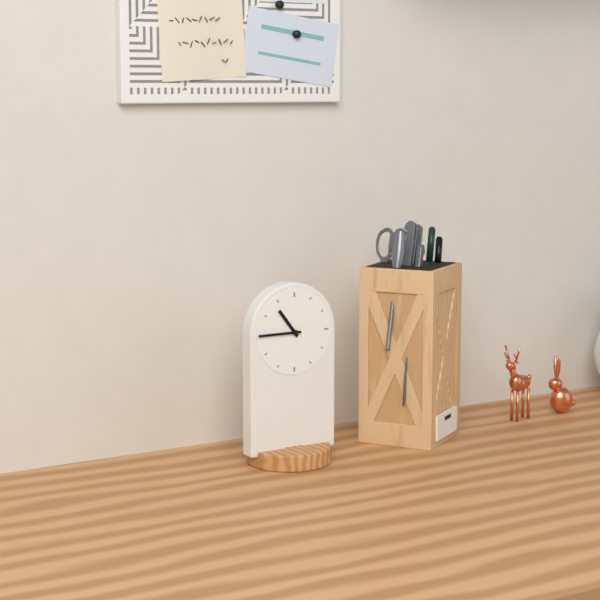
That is 10:45
